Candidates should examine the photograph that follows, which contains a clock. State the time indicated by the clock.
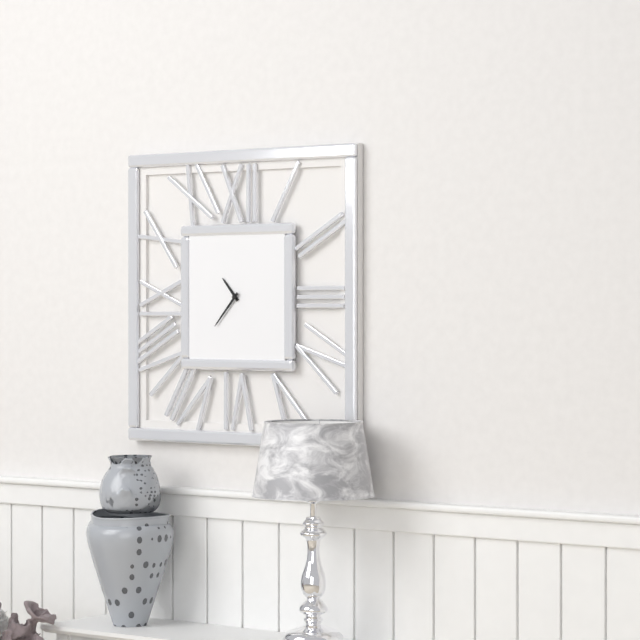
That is 10:37
